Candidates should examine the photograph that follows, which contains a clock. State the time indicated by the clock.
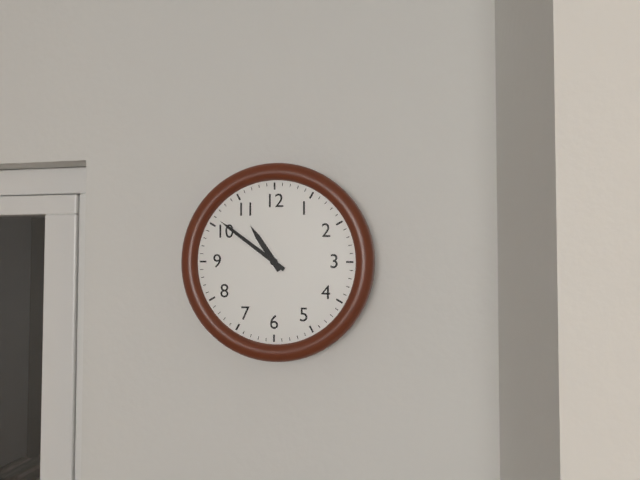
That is 10:51
